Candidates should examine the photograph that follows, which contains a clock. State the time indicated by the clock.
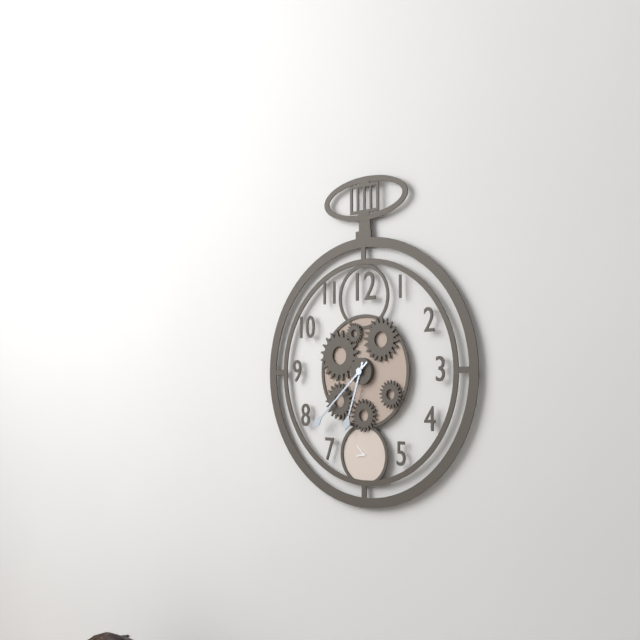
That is 6:38
